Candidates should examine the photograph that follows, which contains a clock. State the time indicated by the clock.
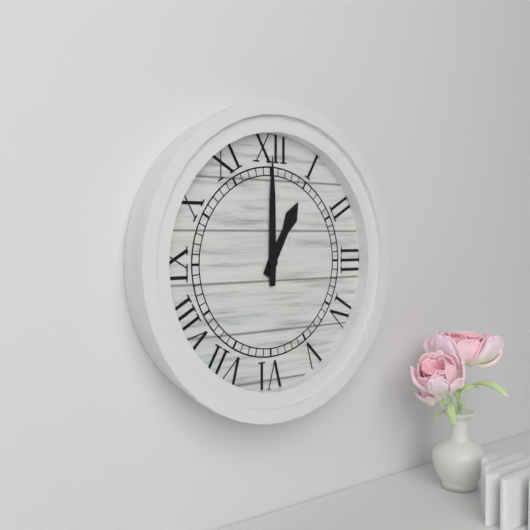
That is 1:00
